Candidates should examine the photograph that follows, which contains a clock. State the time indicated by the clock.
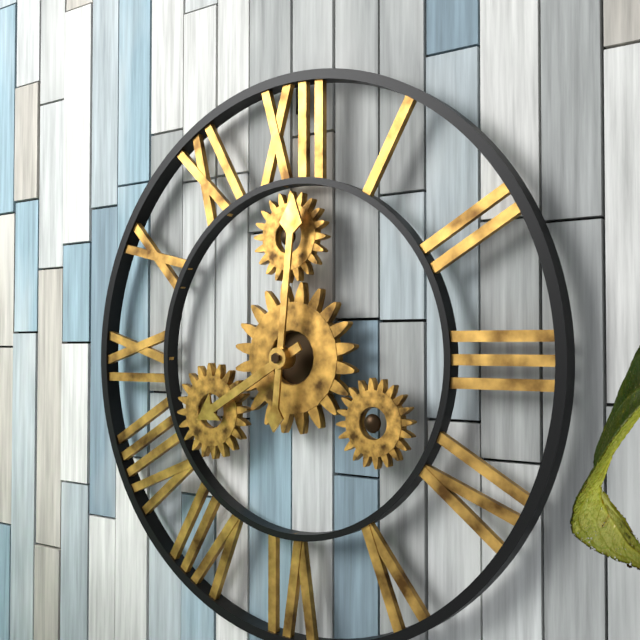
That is 8:01
